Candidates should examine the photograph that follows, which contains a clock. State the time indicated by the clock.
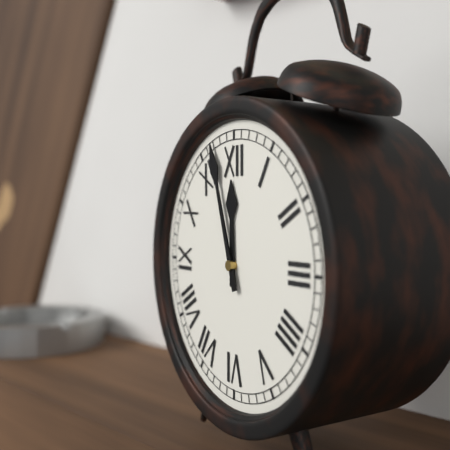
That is 11:57
